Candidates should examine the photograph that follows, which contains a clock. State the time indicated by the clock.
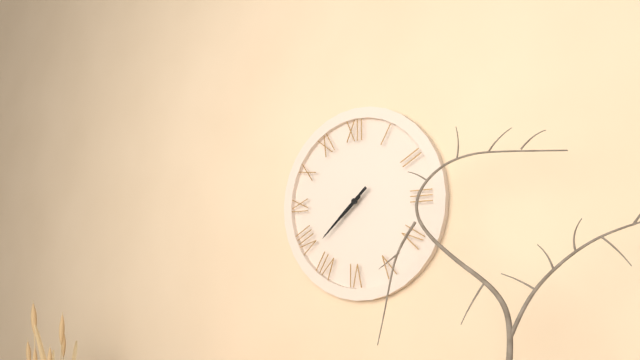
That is 7:38
